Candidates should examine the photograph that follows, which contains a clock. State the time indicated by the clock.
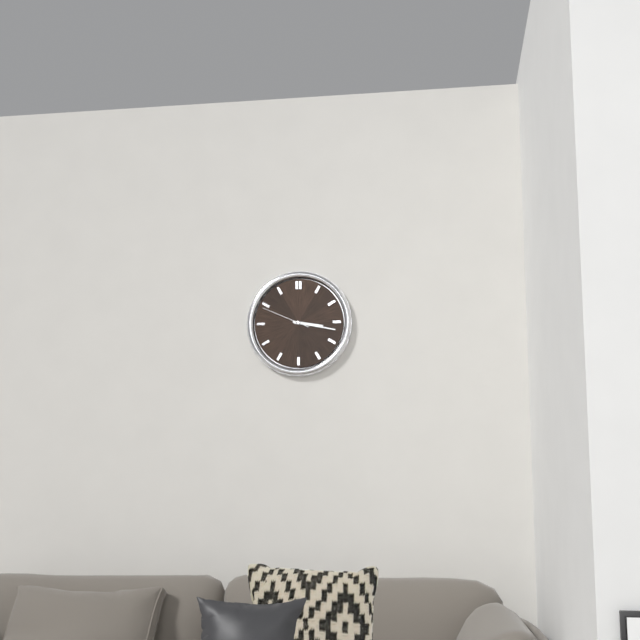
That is 3:17
